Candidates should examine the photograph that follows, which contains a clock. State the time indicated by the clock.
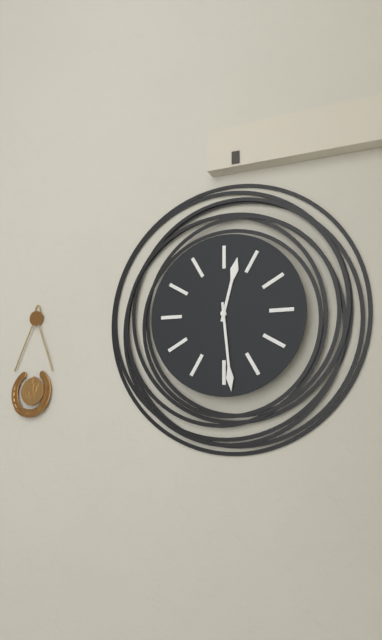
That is 12:29
